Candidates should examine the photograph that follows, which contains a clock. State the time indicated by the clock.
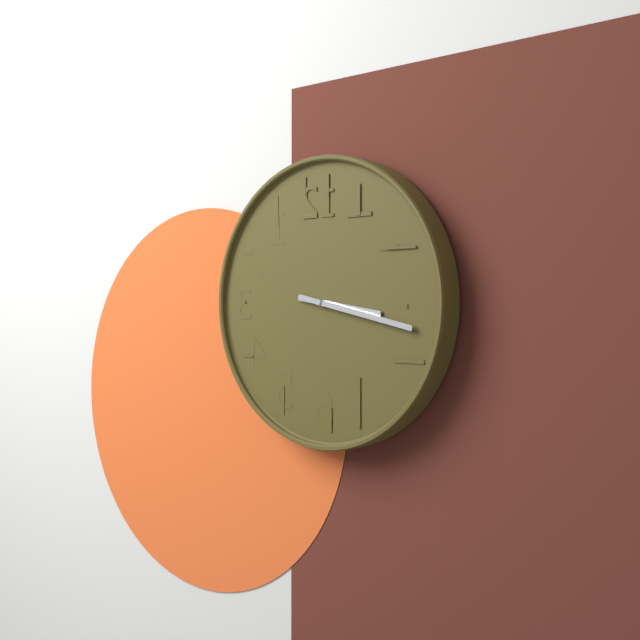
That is 3:17
